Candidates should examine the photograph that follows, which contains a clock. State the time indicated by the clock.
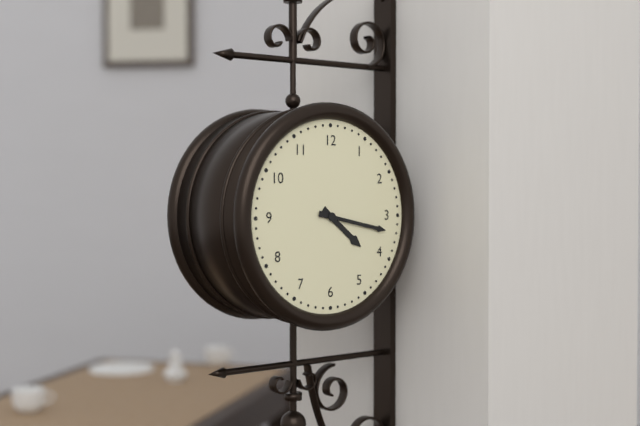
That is 4:17
